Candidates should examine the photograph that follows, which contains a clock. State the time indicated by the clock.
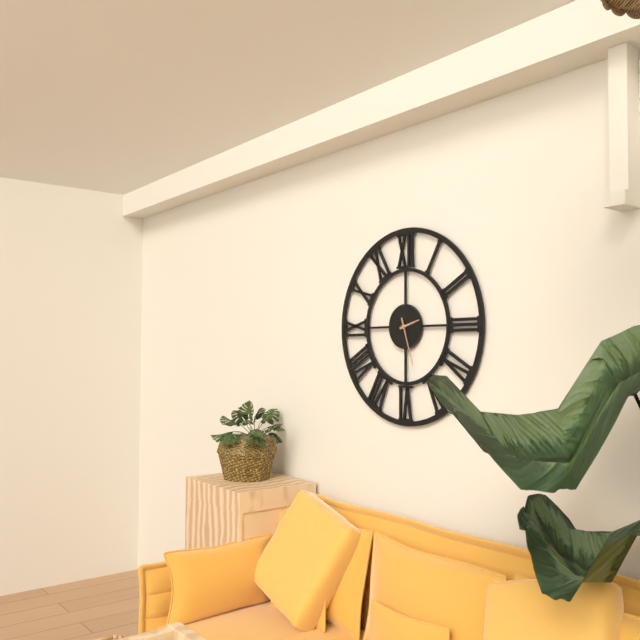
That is 2:27
